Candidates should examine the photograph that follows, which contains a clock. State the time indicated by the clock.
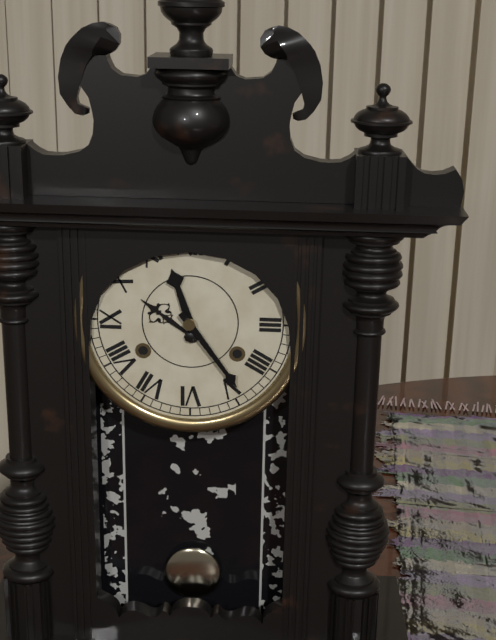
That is 11:24
